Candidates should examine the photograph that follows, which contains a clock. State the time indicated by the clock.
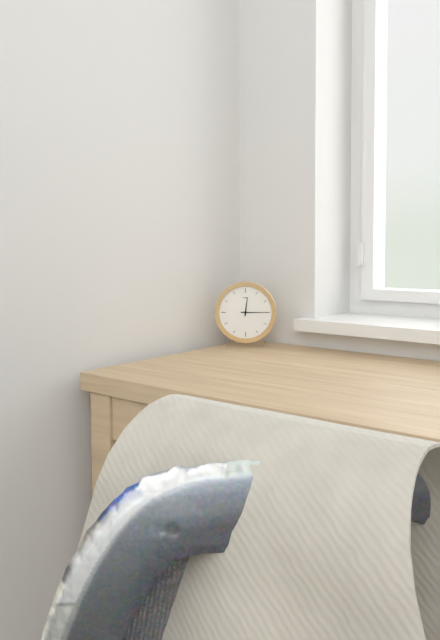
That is 12:15
